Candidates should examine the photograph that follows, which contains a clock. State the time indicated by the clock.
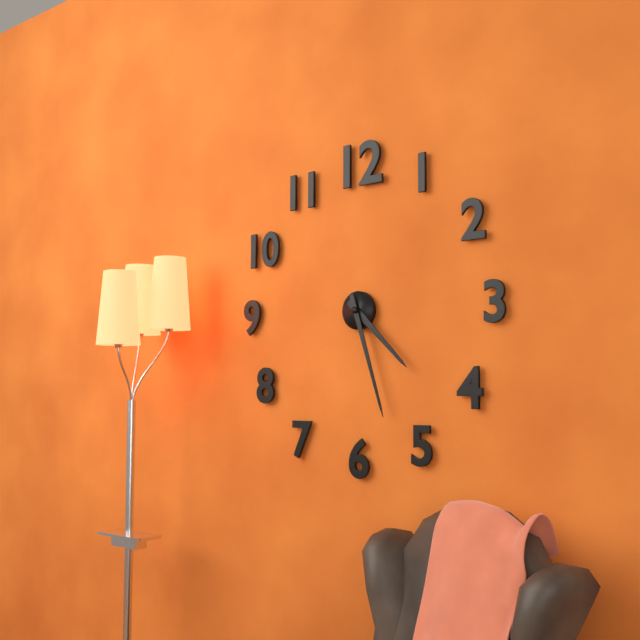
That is 4:27
